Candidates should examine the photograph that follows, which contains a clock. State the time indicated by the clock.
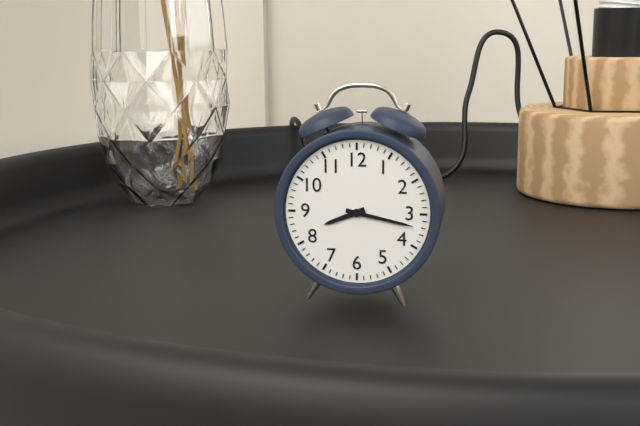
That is 8:17
